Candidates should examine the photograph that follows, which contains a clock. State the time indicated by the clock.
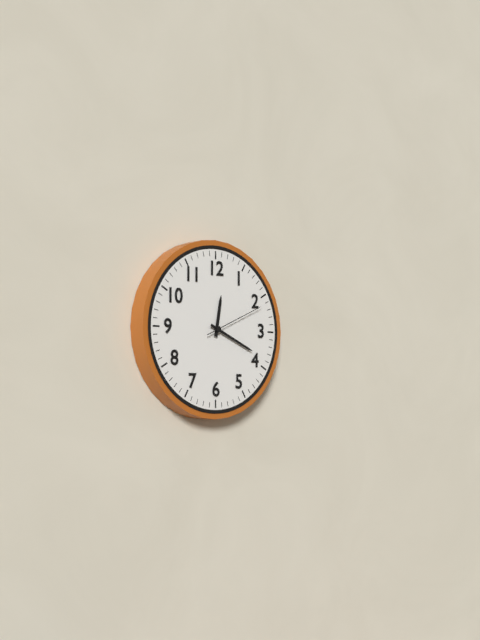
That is 12:19:11
